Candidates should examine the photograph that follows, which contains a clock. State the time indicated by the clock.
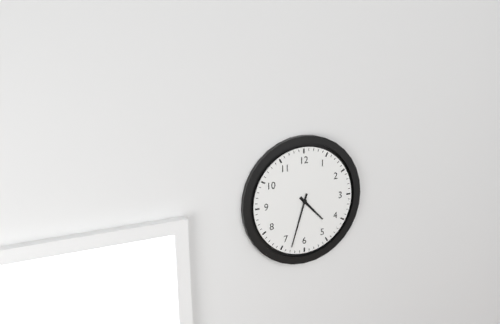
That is 4:33
